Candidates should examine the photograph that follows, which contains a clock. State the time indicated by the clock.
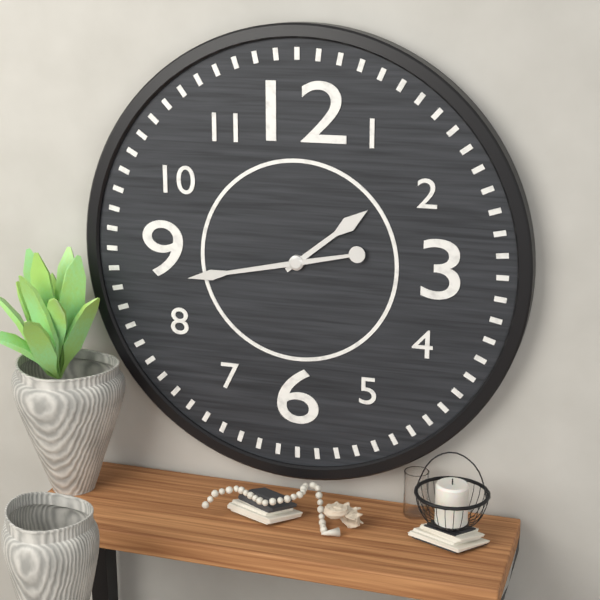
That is 1:43
